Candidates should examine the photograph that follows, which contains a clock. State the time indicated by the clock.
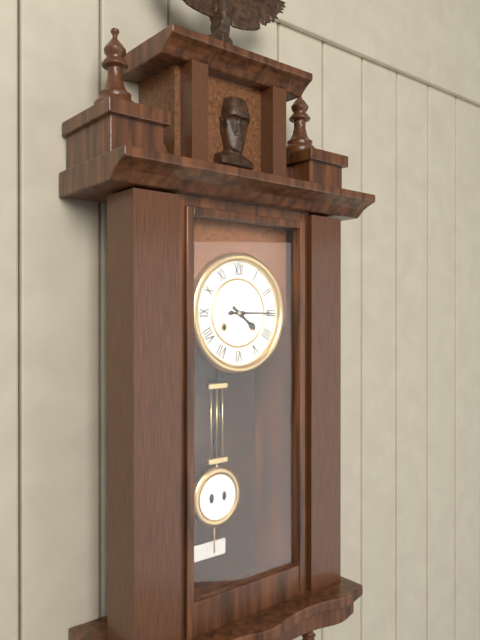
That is 4:15
